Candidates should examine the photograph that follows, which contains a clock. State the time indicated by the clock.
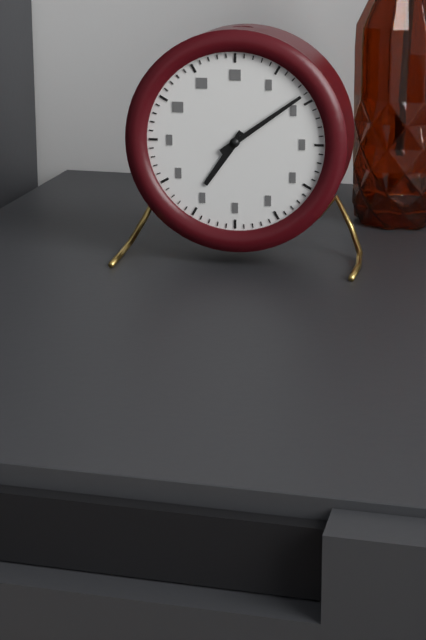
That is 7:09
